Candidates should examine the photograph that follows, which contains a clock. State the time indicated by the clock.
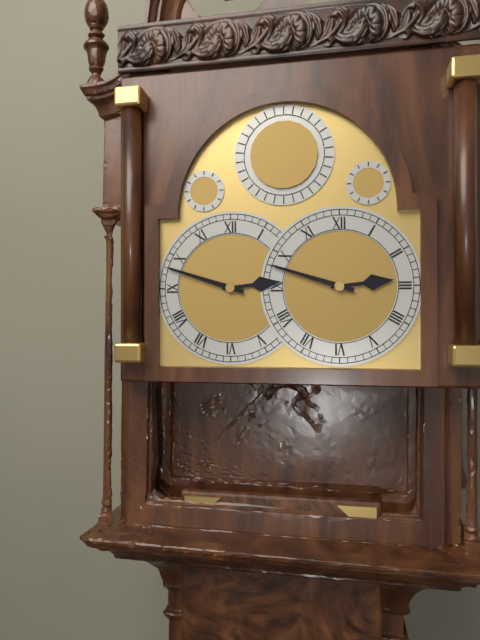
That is 2:48
